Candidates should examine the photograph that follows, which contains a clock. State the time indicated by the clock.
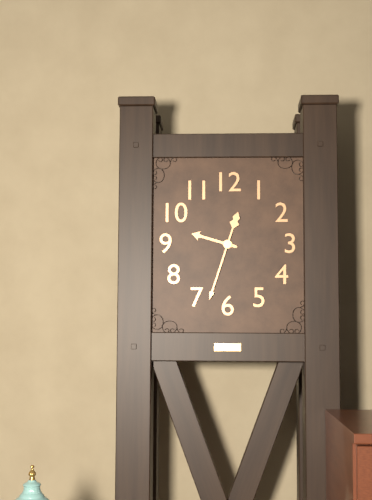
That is 9:33
